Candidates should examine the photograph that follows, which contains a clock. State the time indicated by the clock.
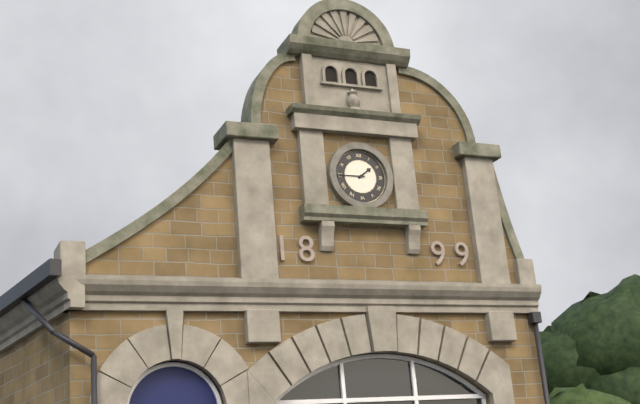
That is 1:45
